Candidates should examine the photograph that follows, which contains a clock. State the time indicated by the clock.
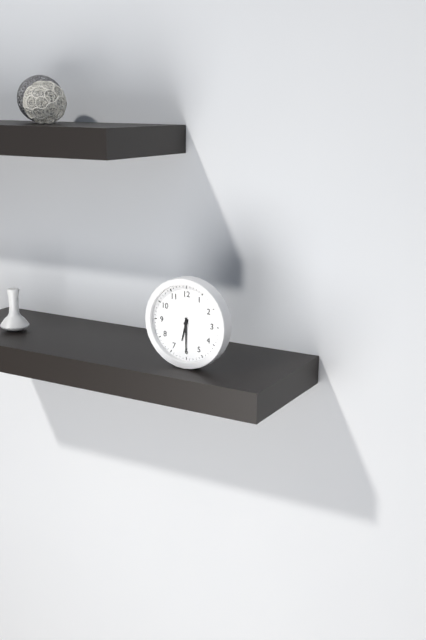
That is 6:30
